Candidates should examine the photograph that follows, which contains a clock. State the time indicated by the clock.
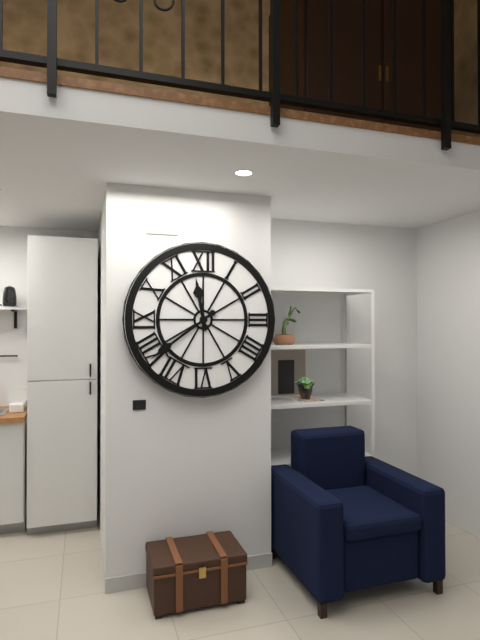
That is 11:39
